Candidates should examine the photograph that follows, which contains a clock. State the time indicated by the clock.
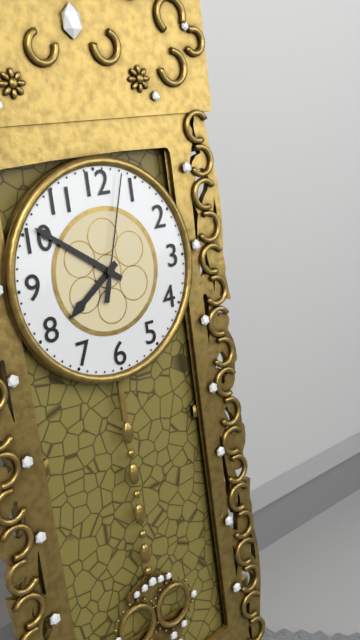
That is 7:51:03
